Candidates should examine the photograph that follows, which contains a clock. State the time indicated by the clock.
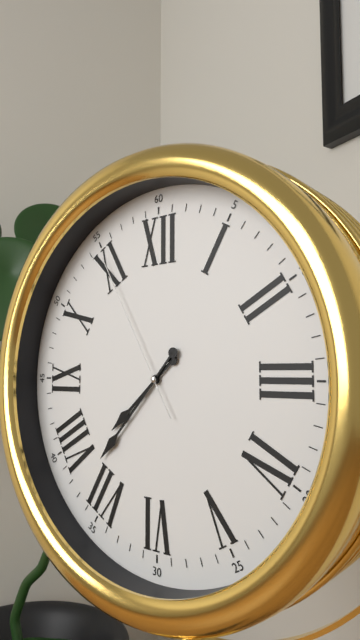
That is 7:37:55
